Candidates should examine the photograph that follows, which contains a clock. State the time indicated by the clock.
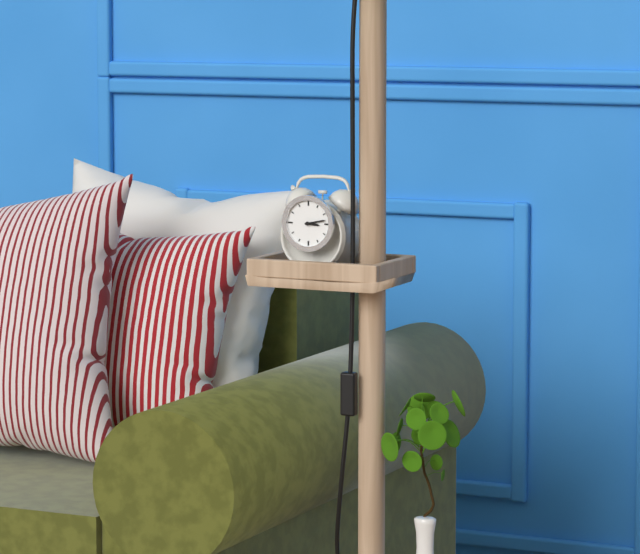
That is 3:13
